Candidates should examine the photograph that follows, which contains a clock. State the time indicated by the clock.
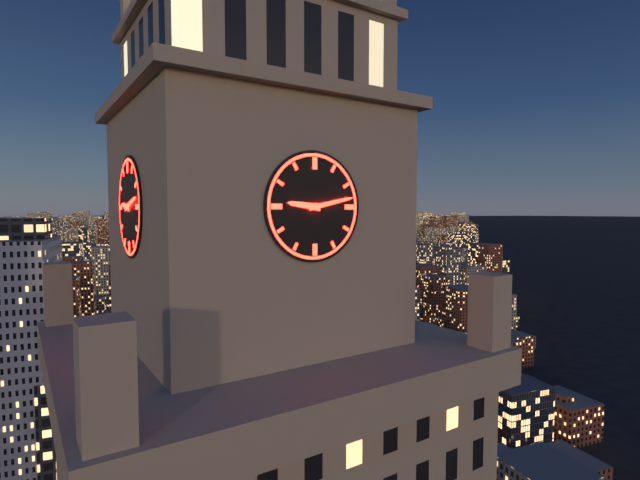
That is 9:13
